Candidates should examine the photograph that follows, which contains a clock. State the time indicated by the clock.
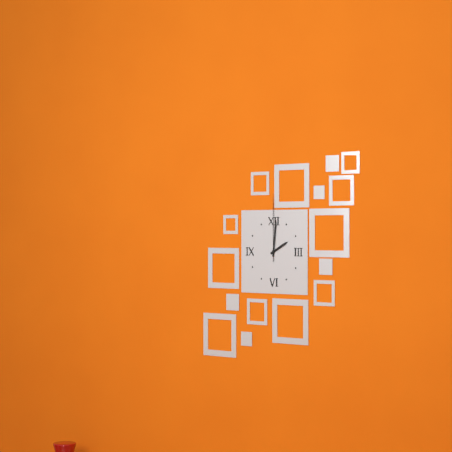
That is 2:01:00
